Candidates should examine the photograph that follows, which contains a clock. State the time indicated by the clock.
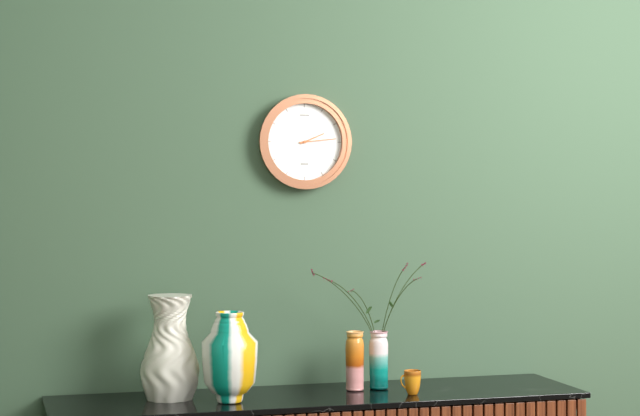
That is 2:14
